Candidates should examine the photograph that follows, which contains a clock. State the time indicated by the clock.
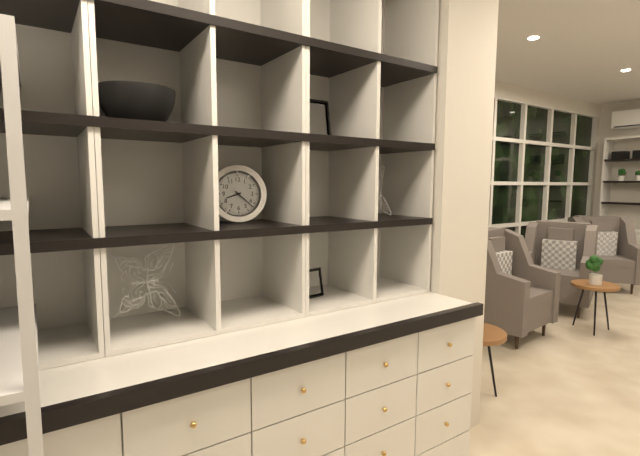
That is 8:22
